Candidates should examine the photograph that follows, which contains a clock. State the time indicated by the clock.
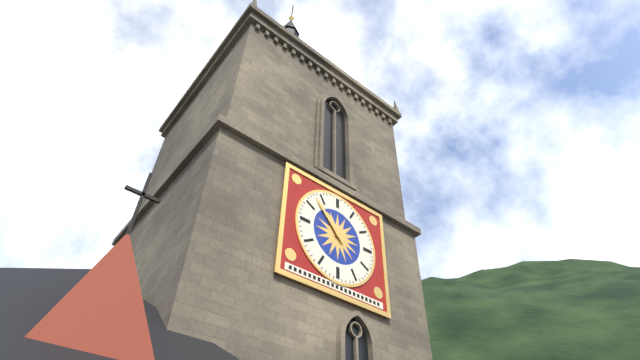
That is 10:53
